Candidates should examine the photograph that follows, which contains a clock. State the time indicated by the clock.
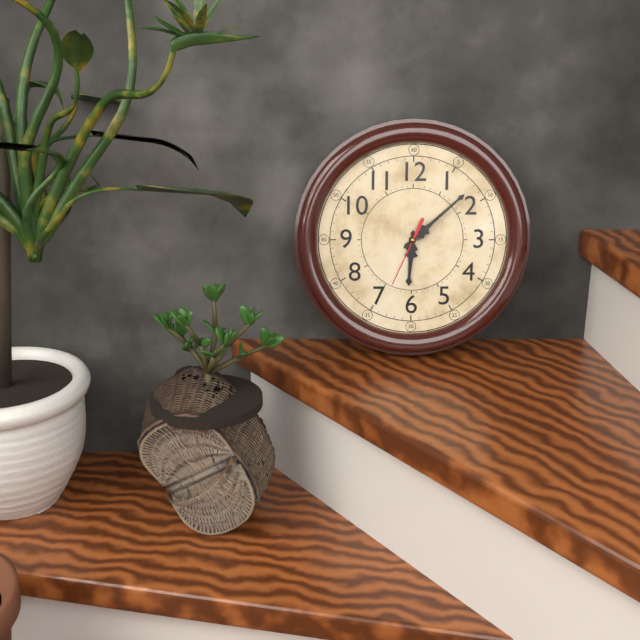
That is 6:08:34
